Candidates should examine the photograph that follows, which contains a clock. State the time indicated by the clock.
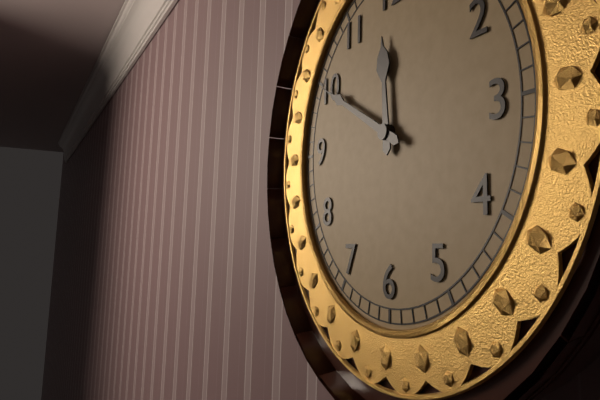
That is 11:50
